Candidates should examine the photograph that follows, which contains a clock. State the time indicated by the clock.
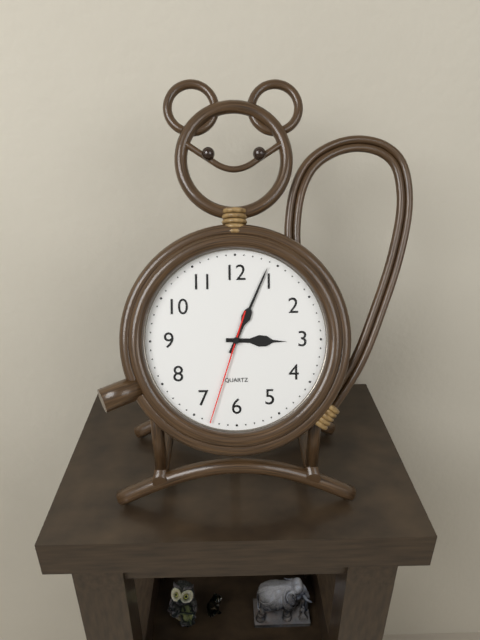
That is 3:04:33
